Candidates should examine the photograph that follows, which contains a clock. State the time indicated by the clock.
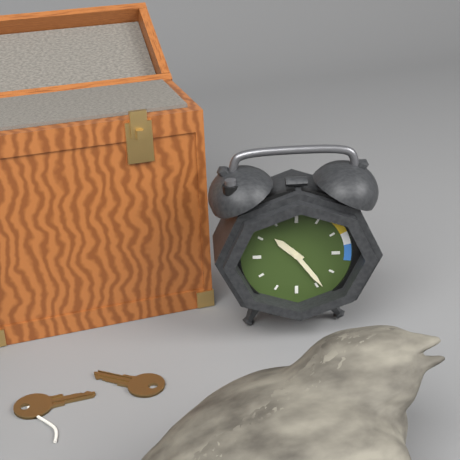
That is 10:24
